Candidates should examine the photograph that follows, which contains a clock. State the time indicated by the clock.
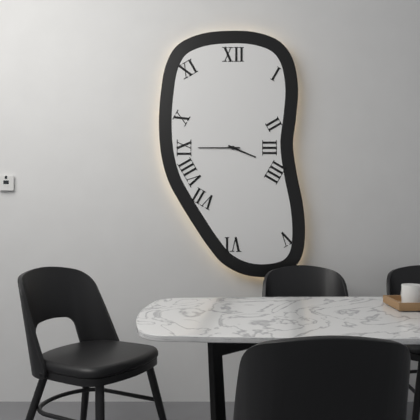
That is 3:45
